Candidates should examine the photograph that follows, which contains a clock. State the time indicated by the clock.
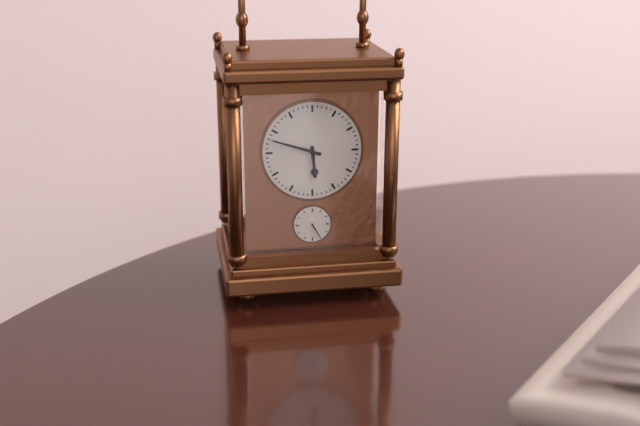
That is 5:48
